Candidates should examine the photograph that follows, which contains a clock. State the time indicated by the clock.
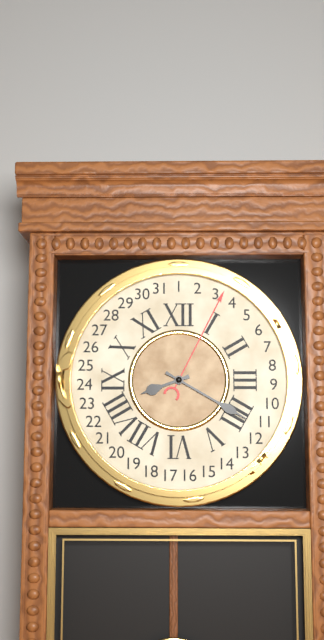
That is 8:20
